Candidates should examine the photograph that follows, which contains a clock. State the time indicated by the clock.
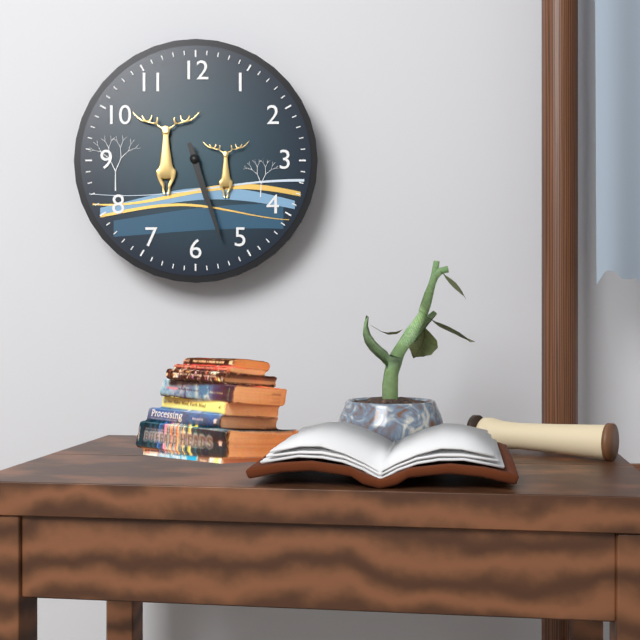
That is 5:27
